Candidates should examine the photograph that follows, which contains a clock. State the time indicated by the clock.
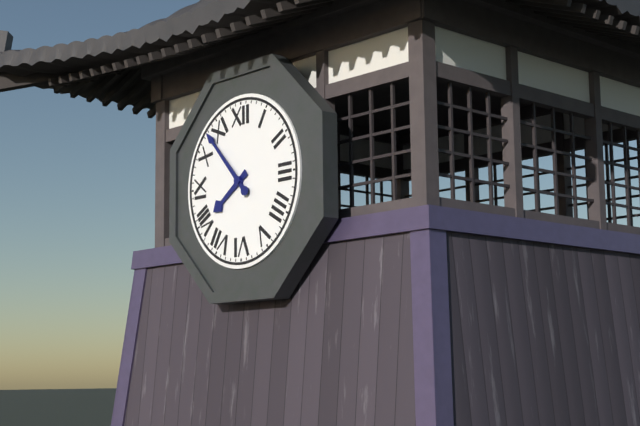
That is 7:53
